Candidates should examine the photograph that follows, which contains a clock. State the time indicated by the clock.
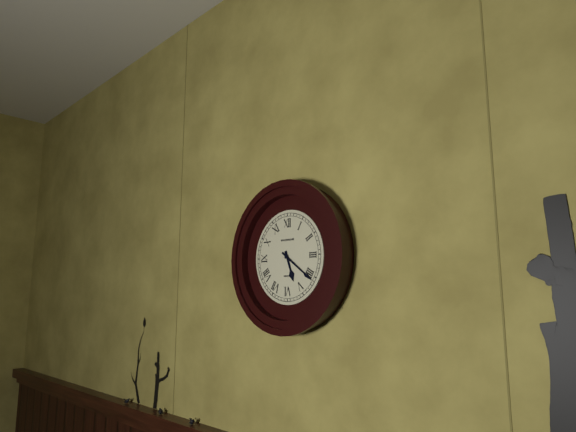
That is 5:21
